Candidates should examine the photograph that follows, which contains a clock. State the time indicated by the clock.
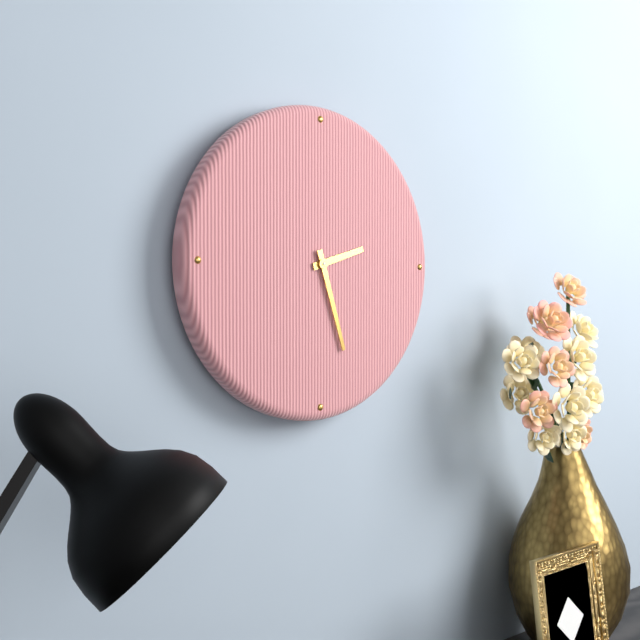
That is 2:27
